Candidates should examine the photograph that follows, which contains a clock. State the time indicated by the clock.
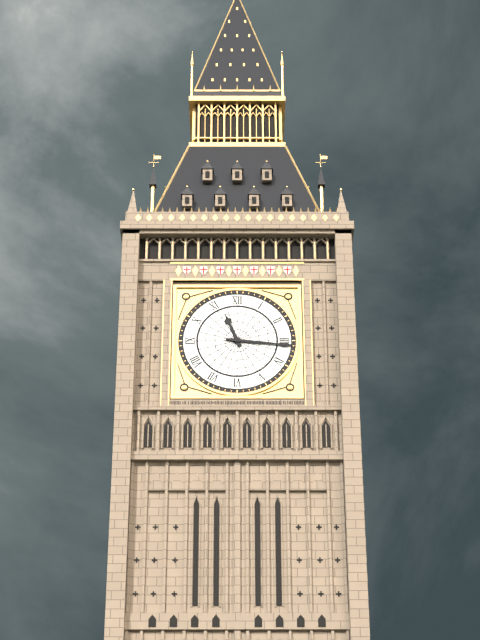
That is 11:16
